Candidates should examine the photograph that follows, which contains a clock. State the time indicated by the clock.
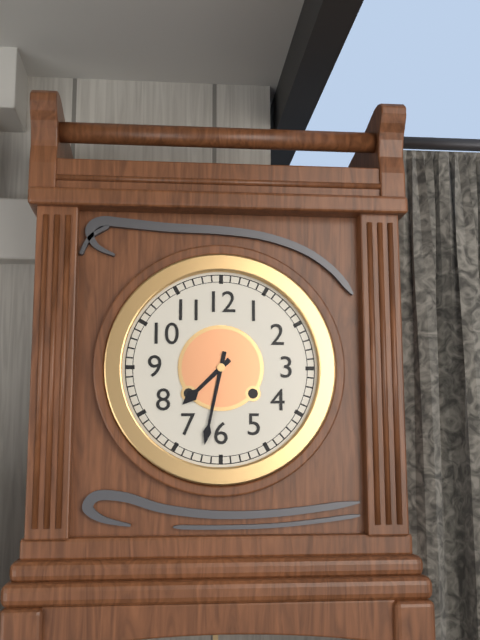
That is 7:32
